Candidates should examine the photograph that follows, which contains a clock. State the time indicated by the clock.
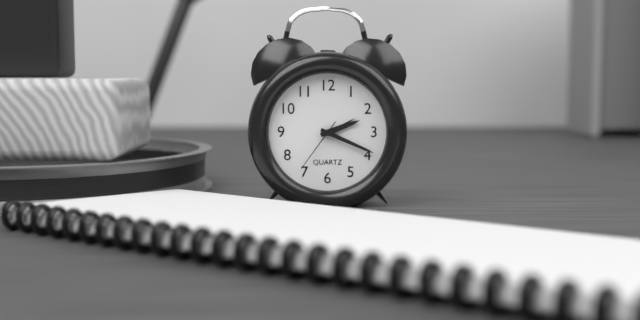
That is 2:19:36
